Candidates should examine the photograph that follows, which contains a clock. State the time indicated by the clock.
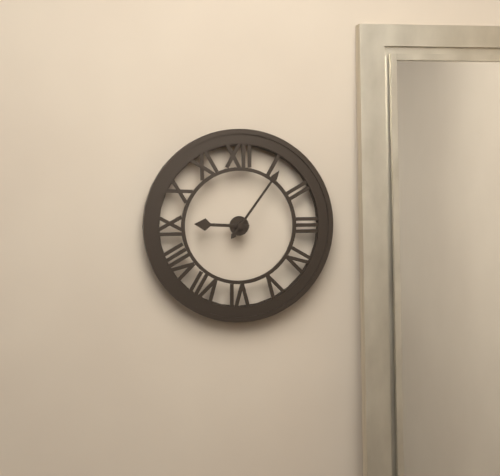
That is 9:06
